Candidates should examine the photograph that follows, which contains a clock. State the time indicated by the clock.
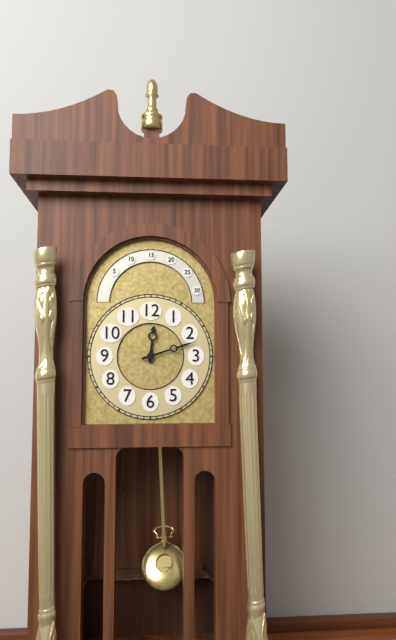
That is 12:12
